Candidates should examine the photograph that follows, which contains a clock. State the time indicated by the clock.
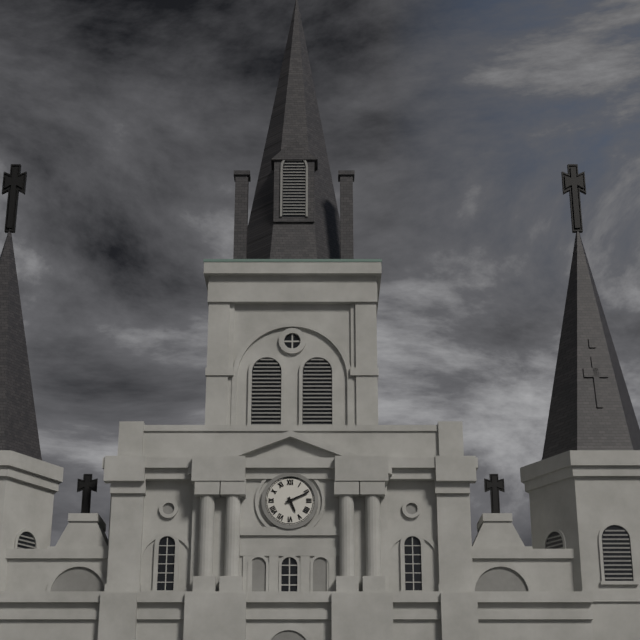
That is 5:11
